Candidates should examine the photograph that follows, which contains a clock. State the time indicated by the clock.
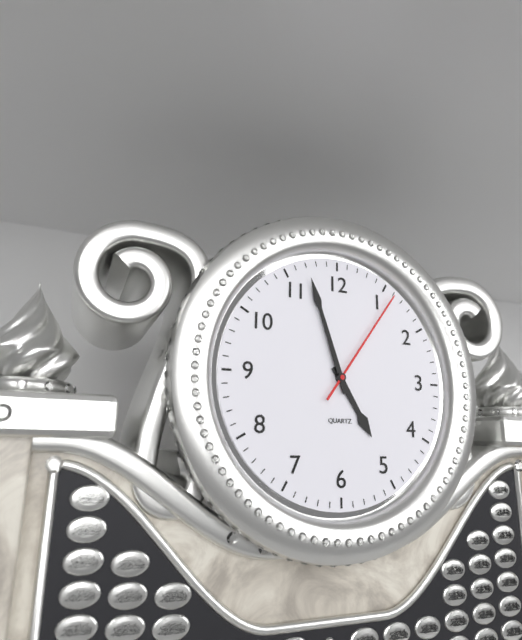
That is 4:57:06
